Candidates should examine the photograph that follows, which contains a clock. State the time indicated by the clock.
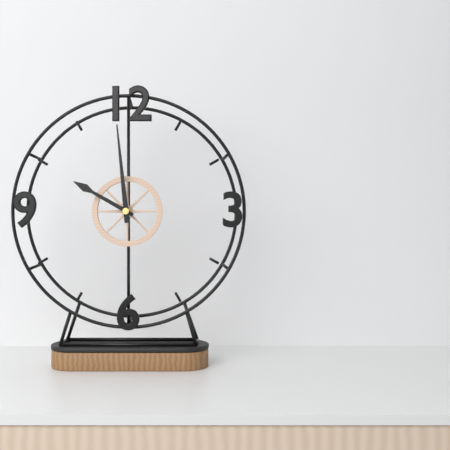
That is 9:59
